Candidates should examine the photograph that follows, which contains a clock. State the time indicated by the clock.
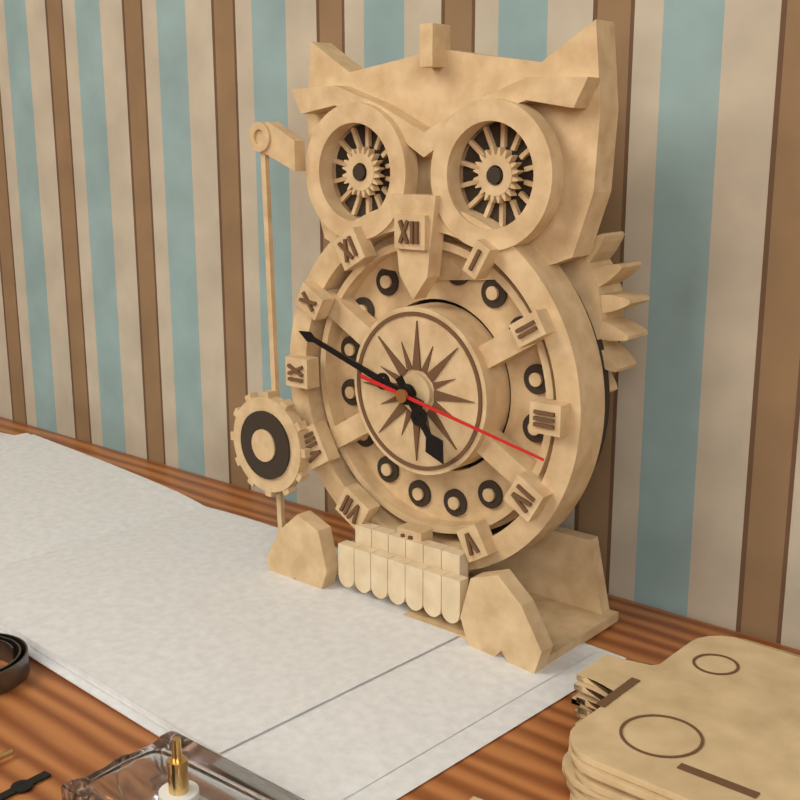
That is 4:48:17
